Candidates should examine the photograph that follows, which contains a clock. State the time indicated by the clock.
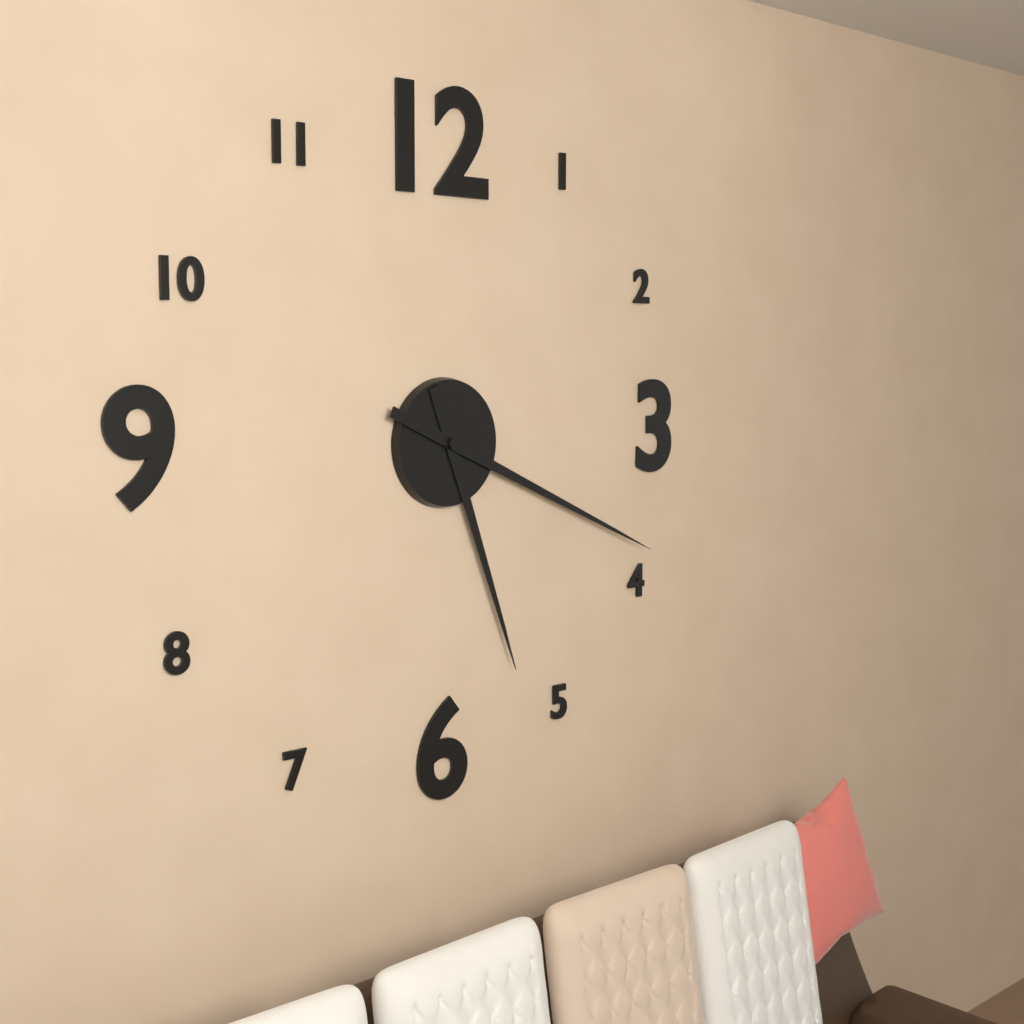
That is 5:19
